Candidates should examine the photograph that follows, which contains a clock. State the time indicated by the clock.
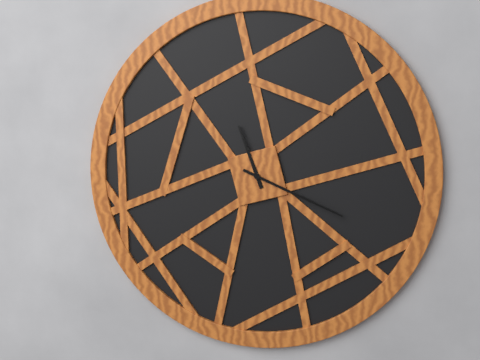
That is 11:19
